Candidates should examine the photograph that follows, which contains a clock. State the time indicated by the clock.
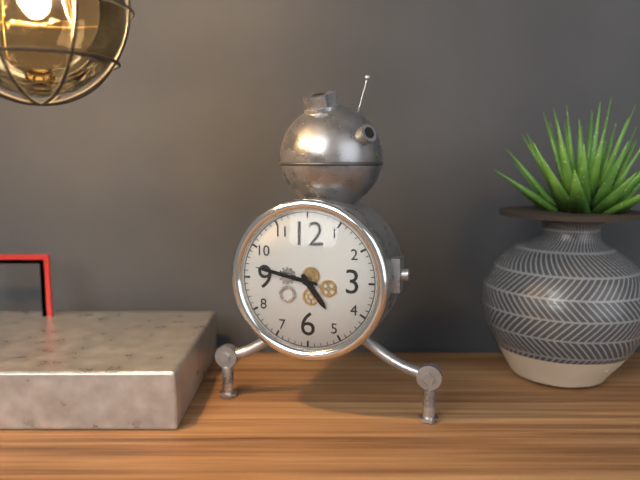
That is 4:47
